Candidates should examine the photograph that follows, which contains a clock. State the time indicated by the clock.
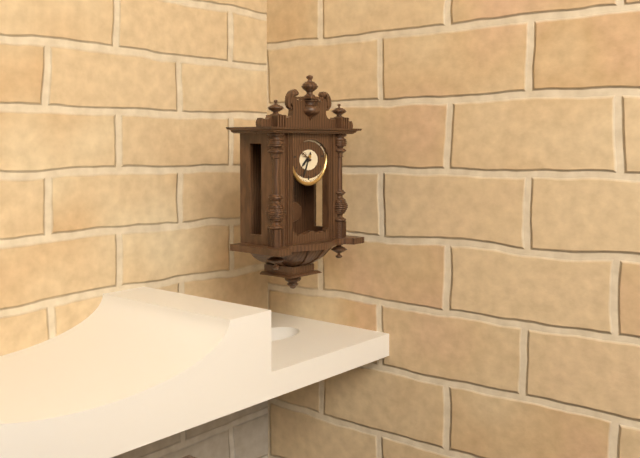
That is 7:34
